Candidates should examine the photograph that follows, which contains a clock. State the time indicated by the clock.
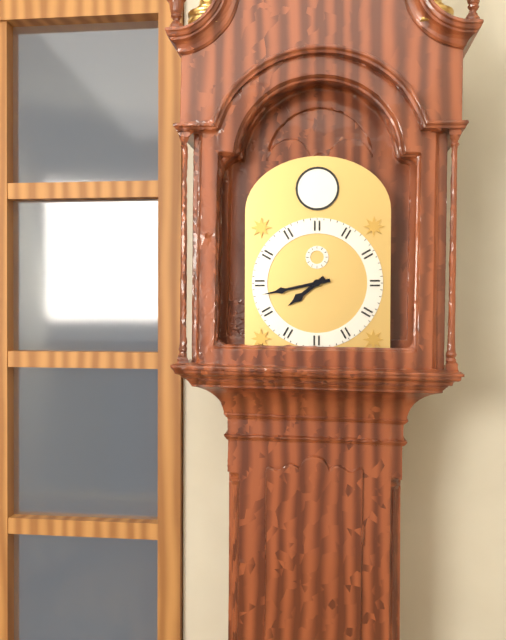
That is 7:43
